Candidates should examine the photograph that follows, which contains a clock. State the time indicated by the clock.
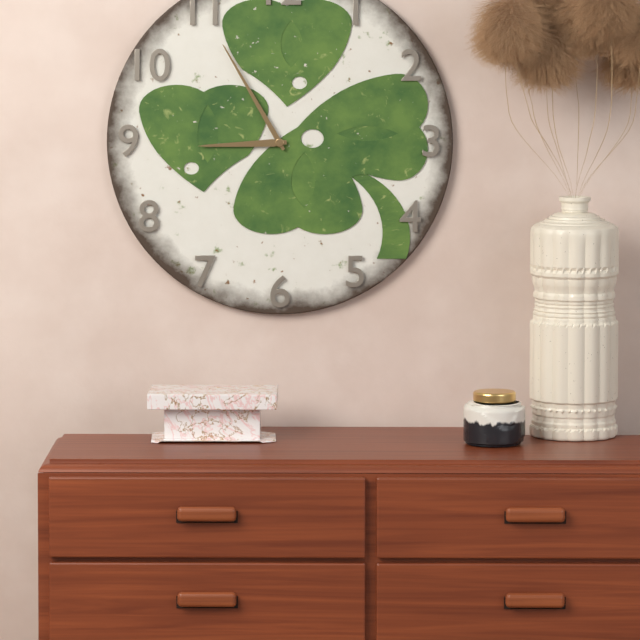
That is 8:55
